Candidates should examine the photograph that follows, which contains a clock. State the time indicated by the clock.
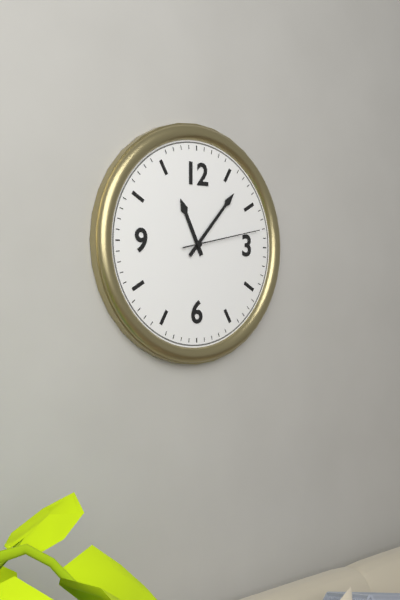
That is 11:07:13
